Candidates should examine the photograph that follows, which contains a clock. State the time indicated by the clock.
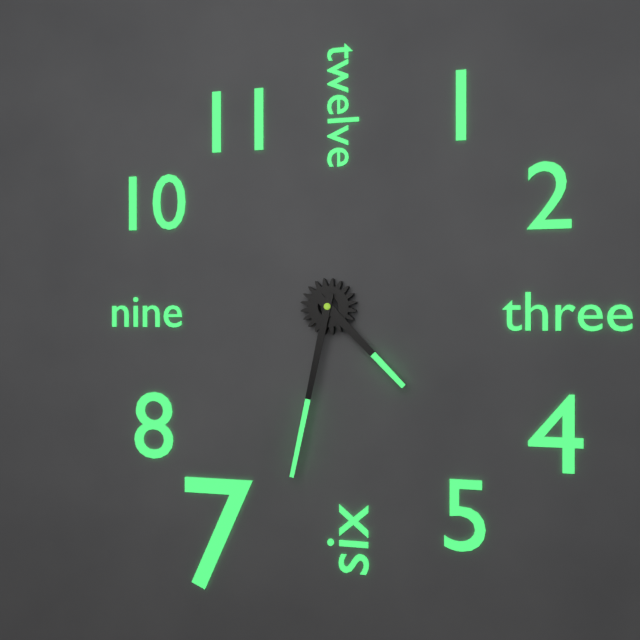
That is 4:32
